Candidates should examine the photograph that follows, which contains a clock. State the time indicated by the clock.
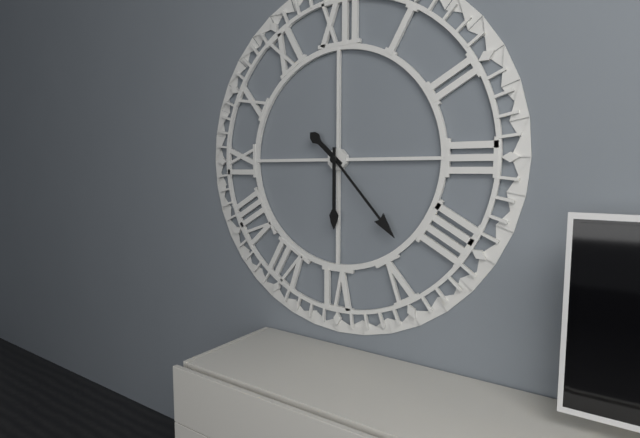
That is 10:23:30
